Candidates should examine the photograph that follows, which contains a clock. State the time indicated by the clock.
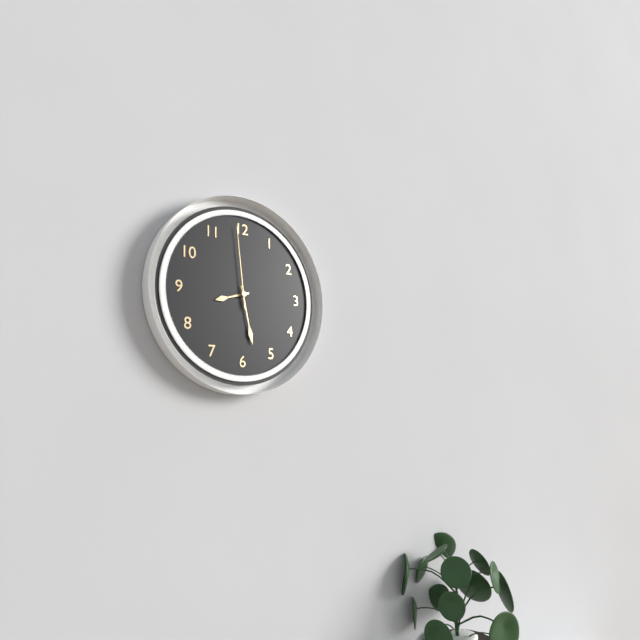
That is 8:28:59
